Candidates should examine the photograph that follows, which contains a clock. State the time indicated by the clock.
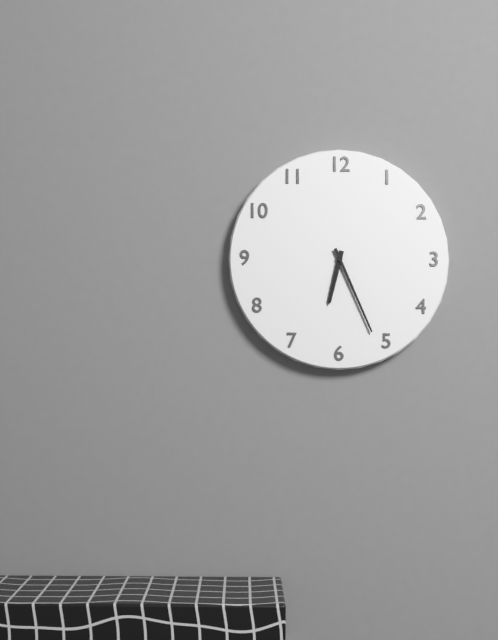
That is 6:26
